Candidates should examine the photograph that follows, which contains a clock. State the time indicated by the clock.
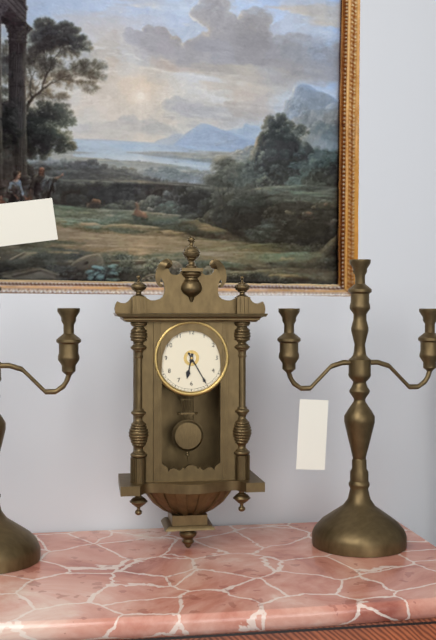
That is 6:25
